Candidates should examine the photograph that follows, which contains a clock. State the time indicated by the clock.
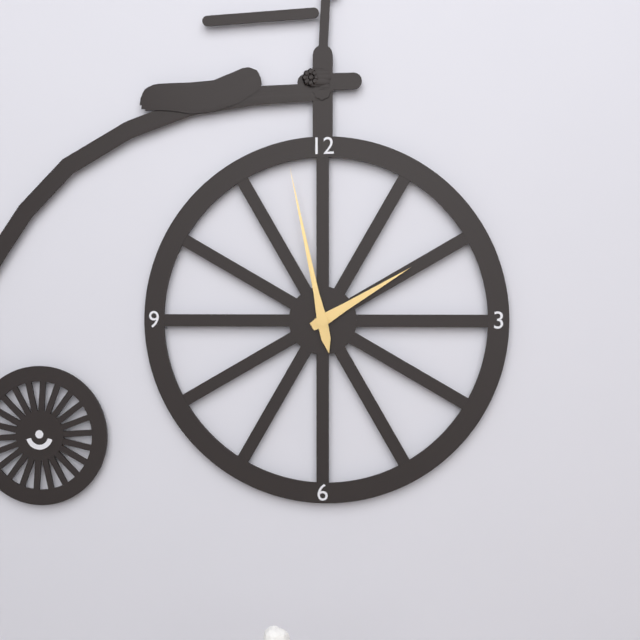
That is 1:58
